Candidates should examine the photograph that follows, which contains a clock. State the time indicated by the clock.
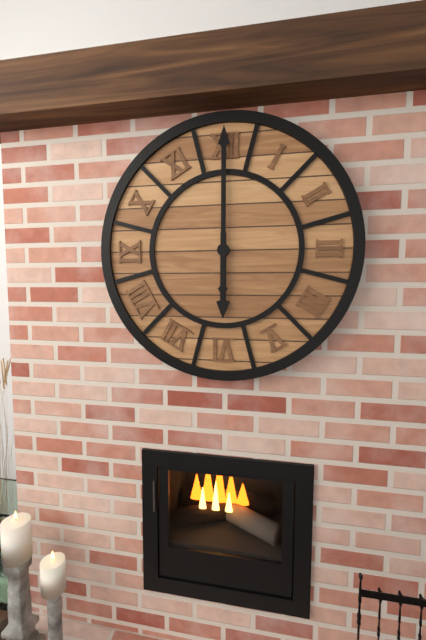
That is 6:00
